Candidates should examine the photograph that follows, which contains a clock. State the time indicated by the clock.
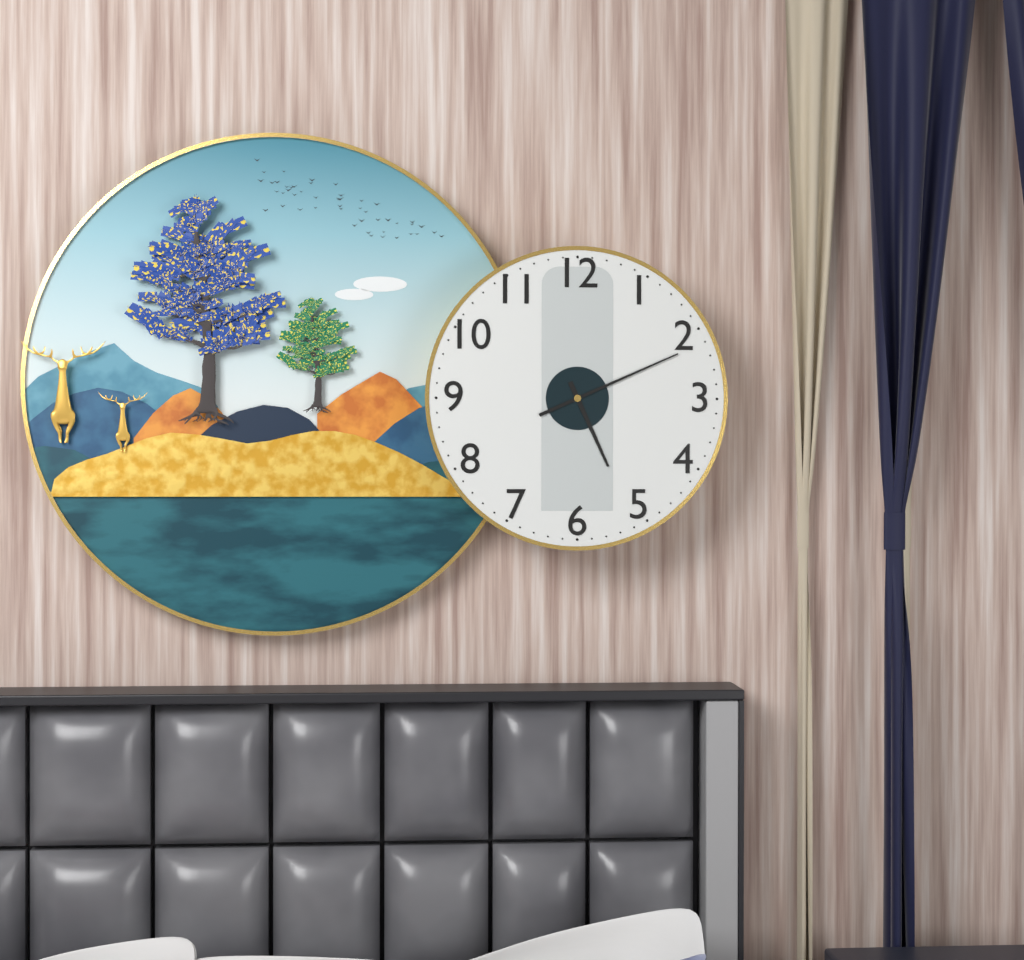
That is 5:11
